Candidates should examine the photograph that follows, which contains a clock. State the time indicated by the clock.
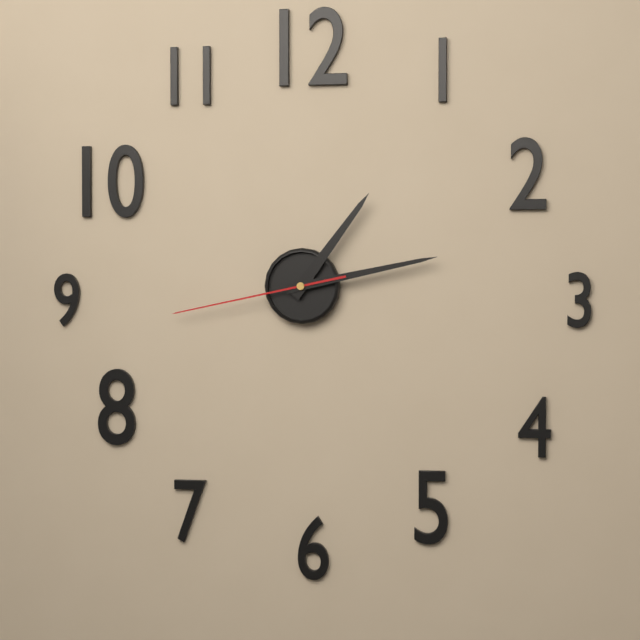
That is 1:13:43
